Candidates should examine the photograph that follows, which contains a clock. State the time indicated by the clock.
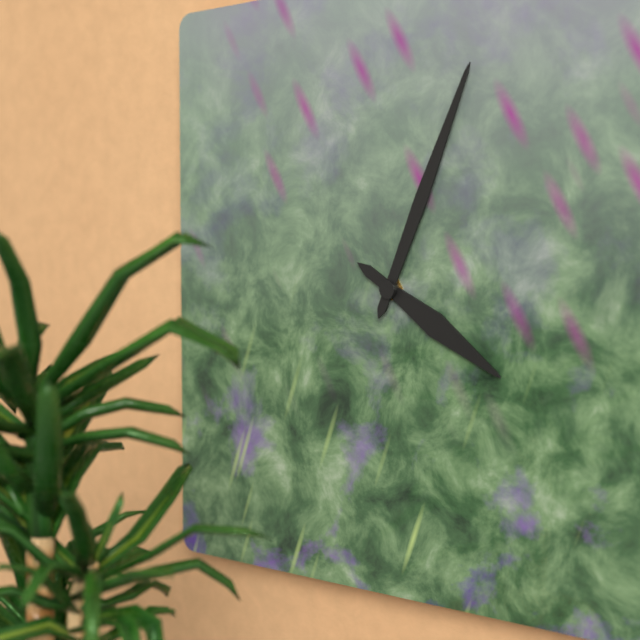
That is 4:04
